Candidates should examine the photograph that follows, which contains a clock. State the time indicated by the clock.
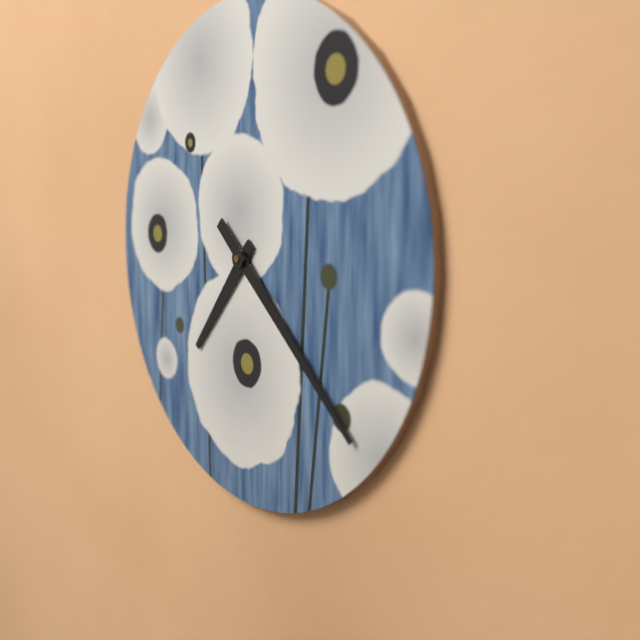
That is 7:22
